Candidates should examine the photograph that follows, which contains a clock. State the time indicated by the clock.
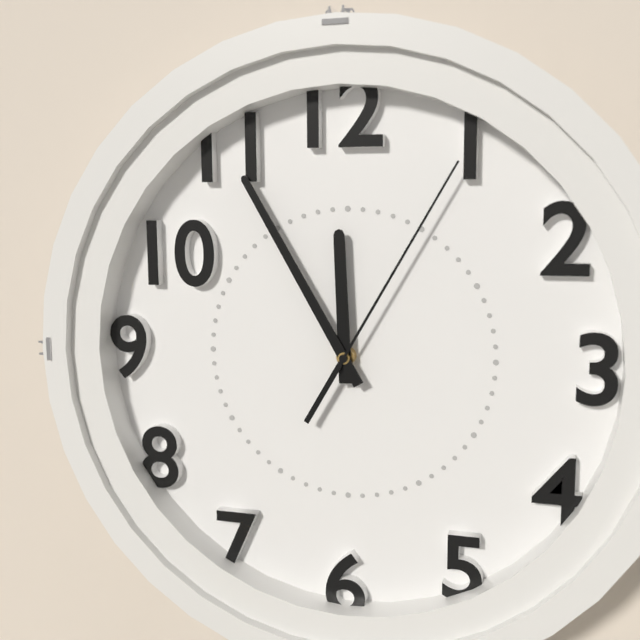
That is 11:55:05
